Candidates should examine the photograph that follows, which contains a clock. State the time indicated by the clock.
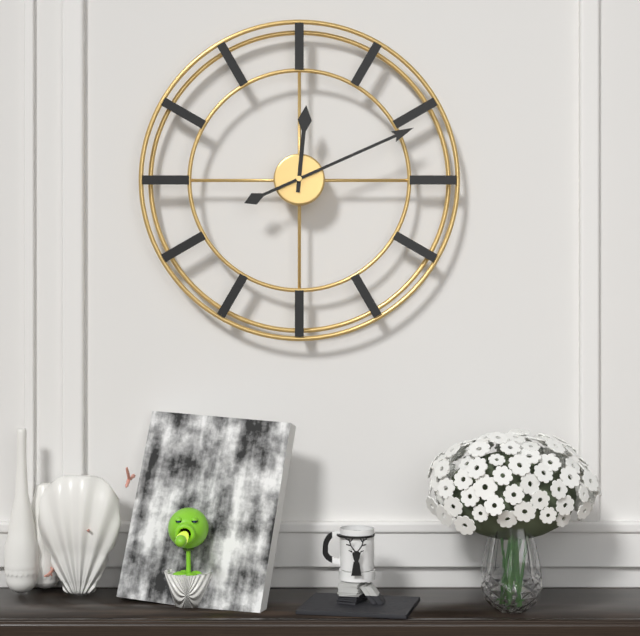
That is 12:11
